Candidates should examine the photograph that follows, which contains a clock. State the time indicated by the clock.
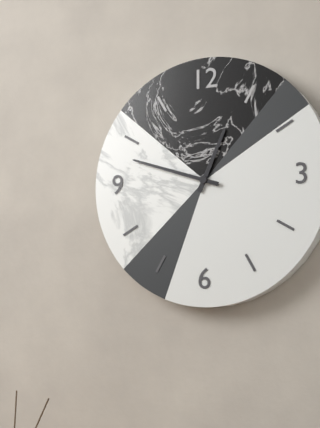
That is 12:48
